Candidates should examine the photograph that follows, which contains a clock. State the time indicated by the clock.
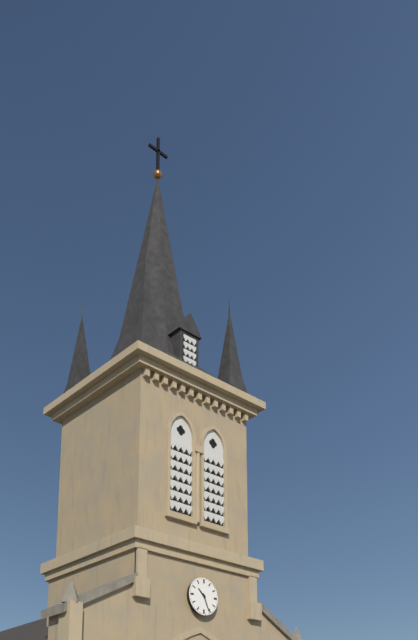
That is 10:26
